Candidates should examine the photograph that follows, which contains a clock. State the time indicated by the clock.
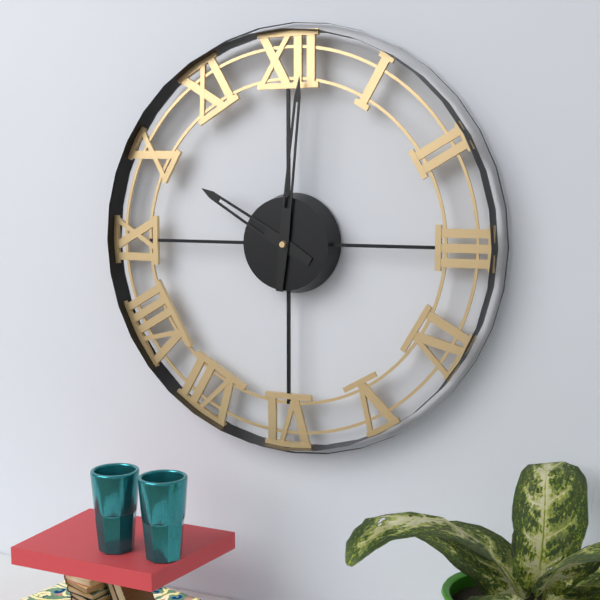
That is 10:01
